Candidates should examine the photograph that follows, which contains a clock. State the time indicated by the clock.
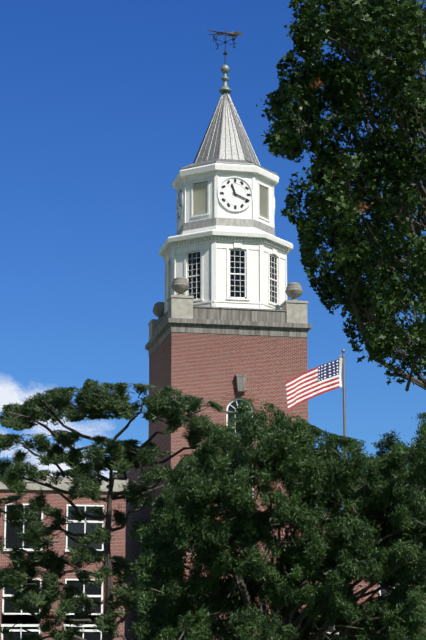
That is 11:19
